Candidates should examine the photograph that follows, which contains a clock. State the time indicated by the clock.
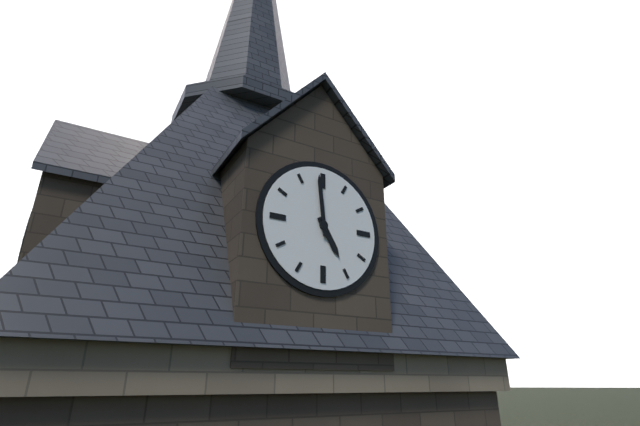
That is 4:59
